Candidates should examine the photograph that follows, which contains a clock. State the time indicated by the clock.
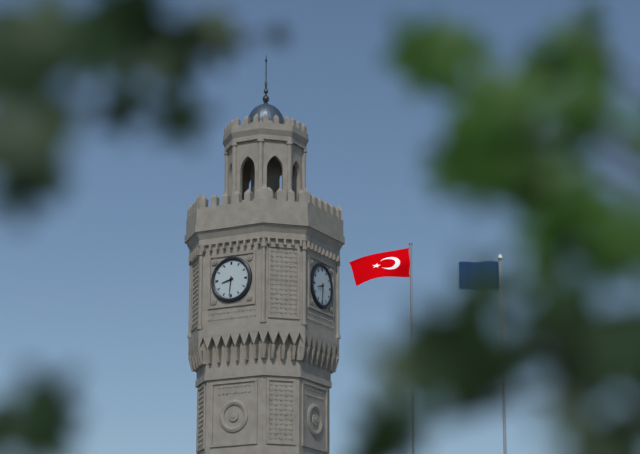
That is 8:31
